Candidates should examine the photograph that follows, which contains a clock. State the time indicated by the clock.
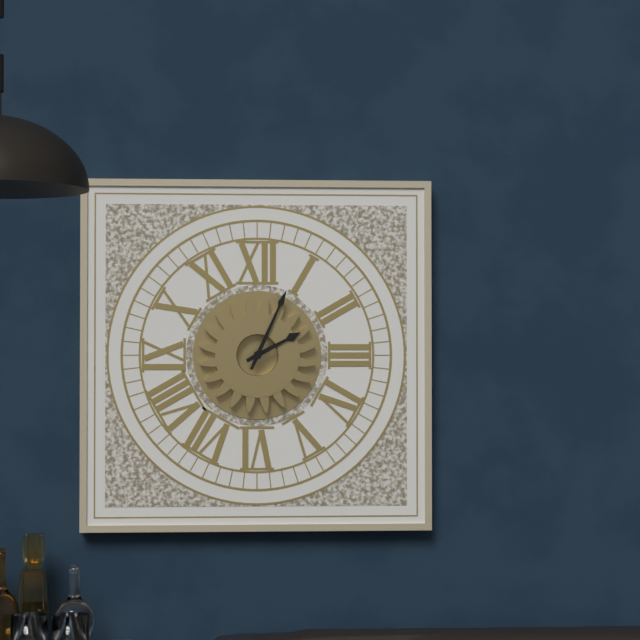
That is 2:04
